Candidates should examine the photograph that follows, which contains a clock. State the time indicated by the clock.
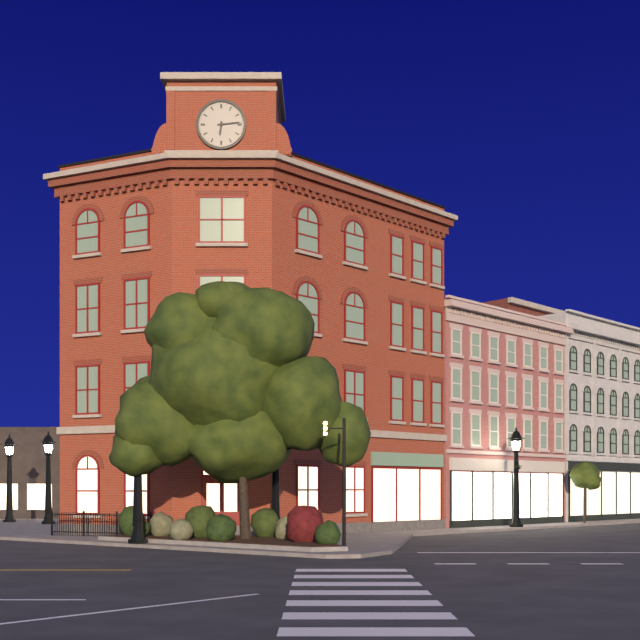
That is 6:14
